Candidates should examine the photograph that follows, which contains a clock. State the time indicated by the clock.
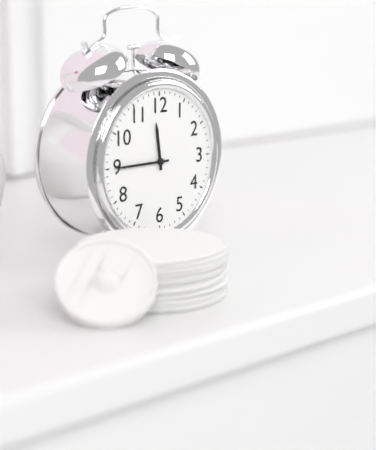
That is 11:45
